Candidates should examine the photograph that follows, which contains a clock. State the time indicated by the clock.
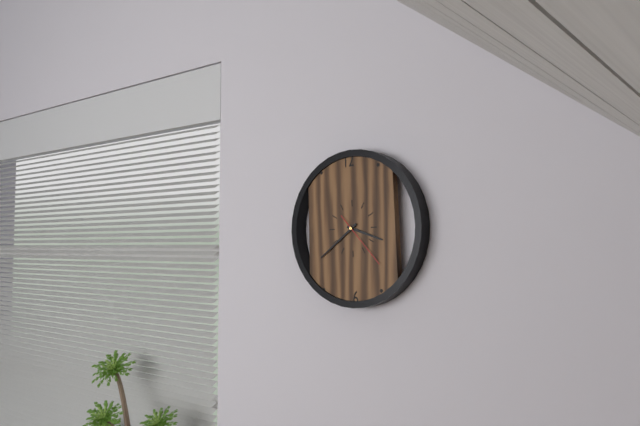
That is 3:39:23
